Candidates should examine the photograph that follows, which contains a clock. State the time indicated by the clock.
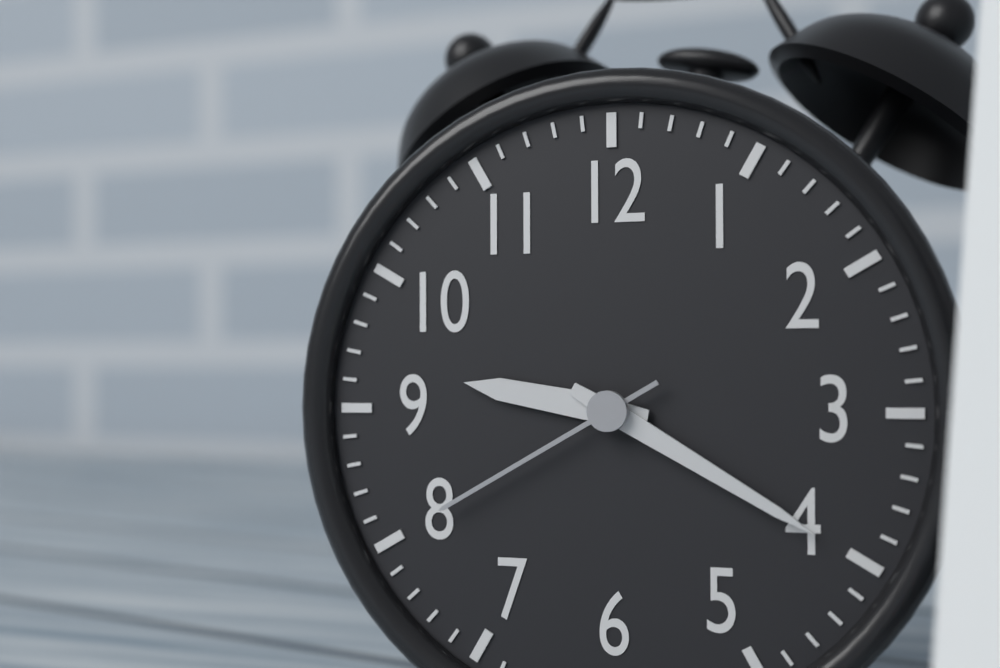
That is 9:20:40
